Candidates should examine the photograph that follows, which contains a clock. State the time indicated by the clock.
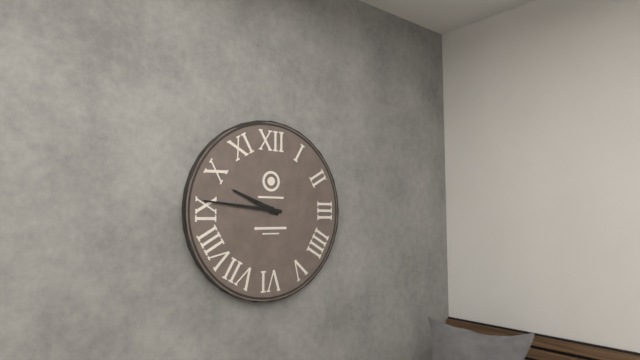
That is 9:46
